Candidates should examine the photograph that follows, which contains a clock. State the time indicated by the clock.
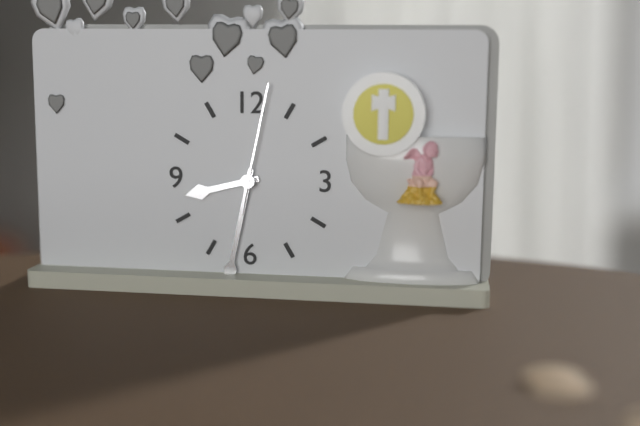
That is 8:32:02
